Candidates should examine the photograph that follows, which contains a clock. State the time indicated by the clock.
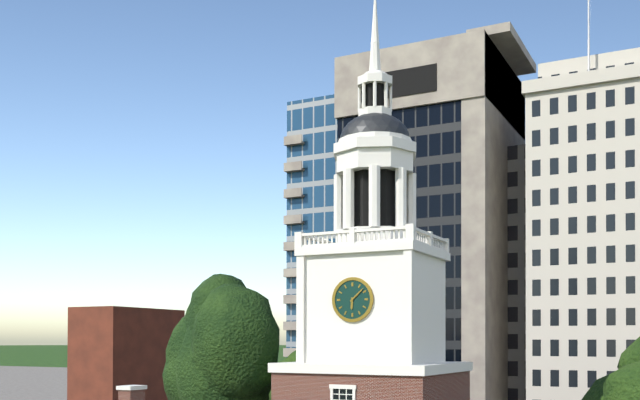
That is 6:08
